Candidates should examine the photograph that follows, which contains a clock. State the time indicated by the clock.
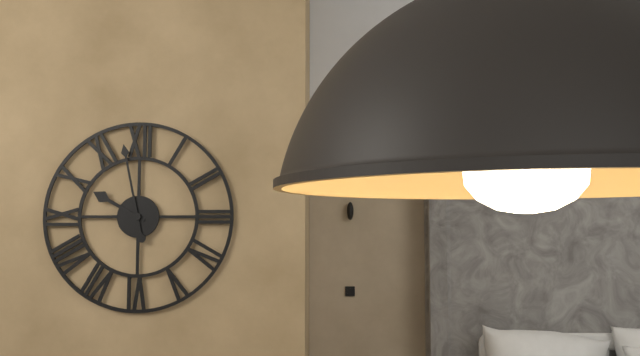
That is 9:58
